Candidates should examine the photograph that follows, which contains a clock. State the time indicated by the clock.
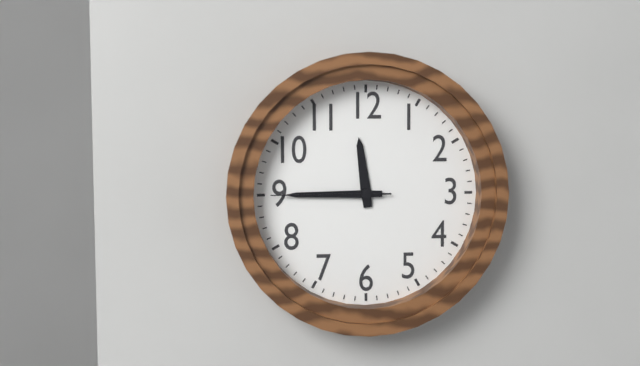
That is 11:45:45
